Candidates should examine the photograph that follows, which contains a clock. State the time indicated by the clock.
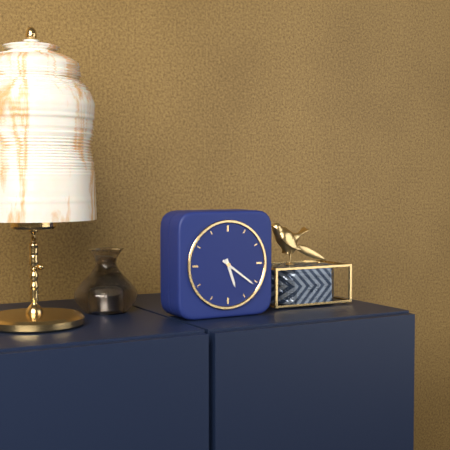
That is 5:21
